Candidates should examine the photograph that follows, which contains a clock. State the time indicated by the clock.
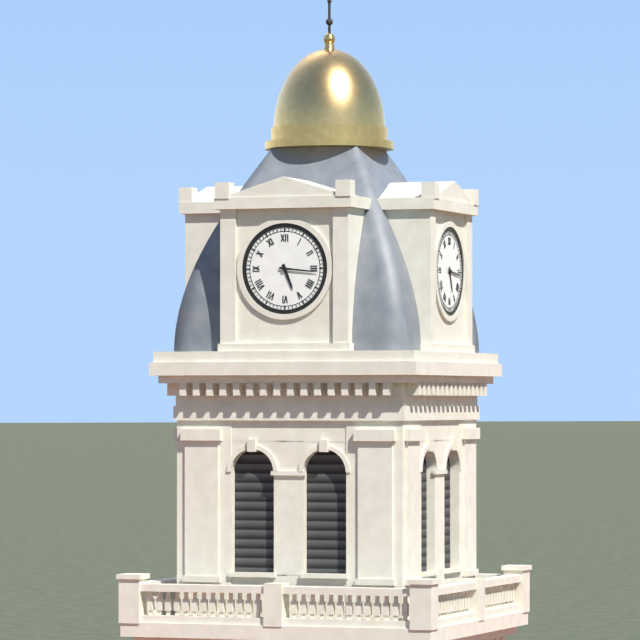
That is 5:16
